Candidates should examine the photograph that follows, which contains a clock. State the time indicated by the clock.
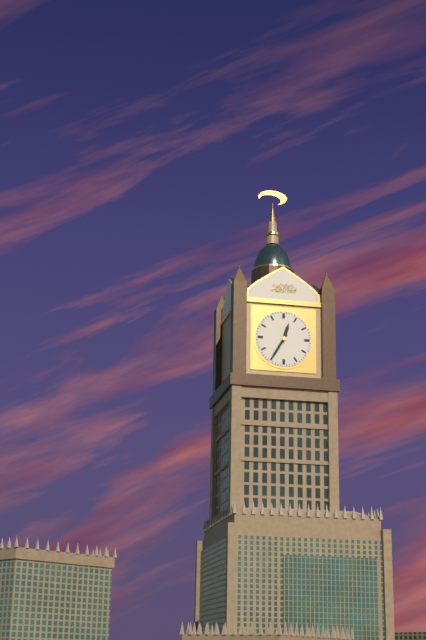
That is 12:35
